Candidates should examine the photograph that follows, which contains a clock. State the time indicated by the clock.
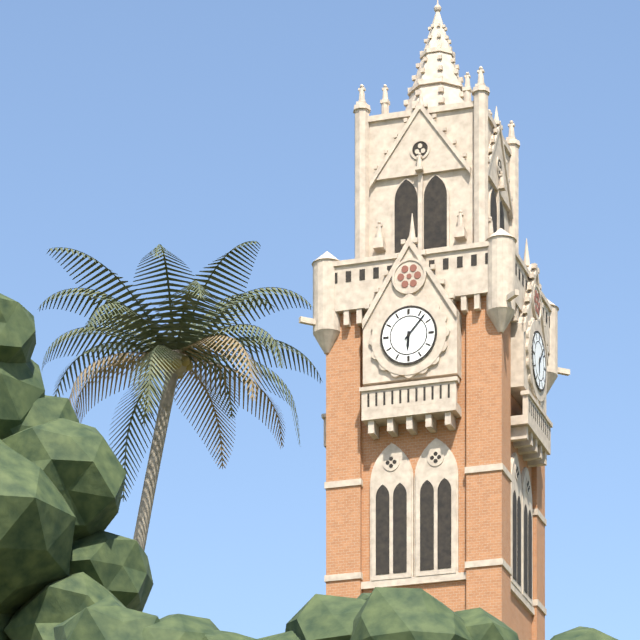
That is 6:07
